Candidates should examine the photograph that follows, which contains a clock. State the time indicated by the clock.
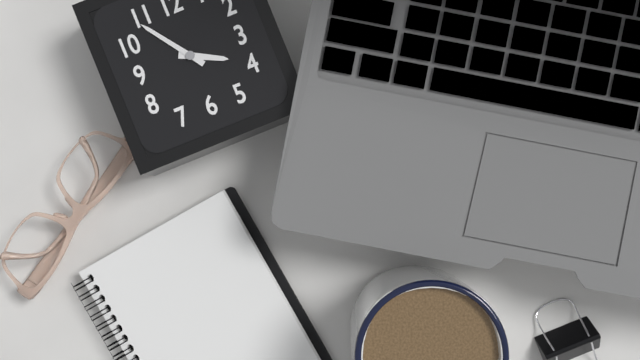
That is 3:54
